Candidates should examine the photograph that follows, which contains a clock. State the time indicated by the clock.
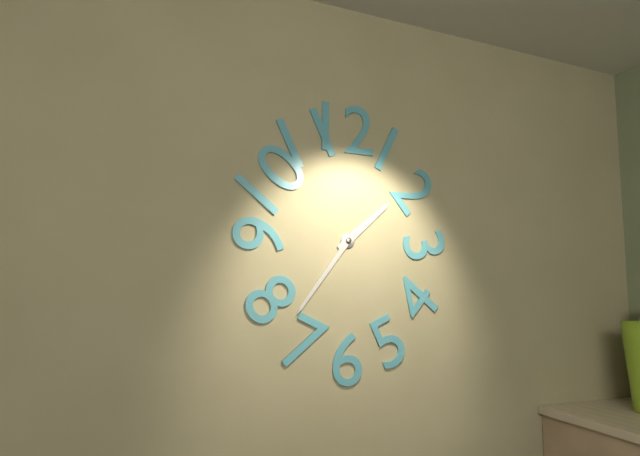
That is 1:36
